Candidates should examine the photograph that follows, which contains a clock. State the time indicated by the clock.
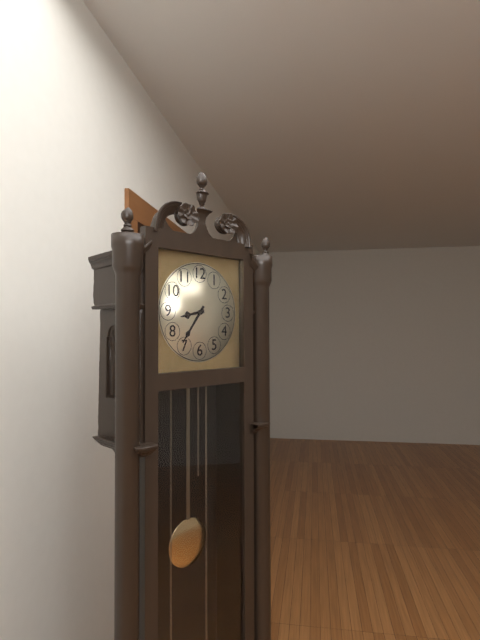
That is 8:36
